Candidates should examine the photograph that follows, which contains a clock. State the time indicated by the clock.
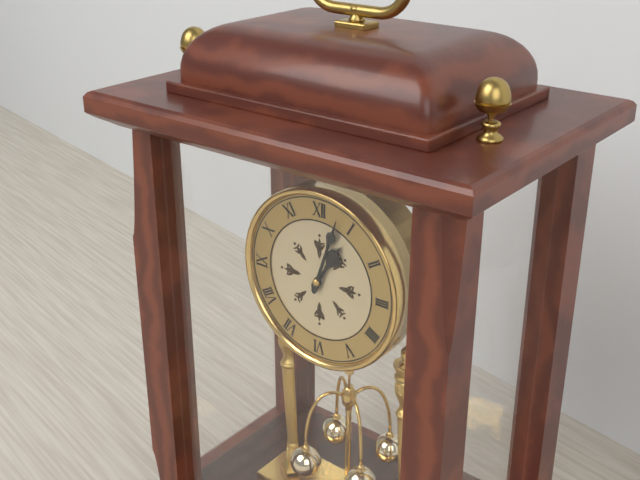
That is 1:03
